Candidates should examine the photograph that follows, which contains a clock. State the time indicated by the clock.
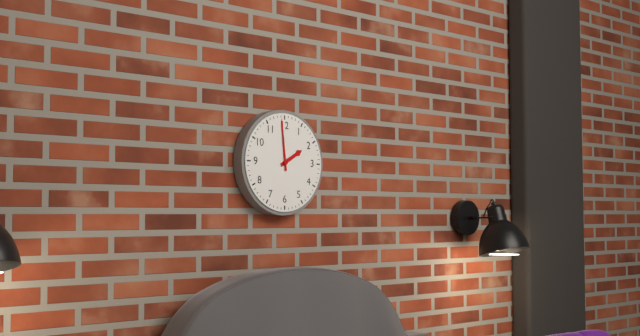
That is 1:59
